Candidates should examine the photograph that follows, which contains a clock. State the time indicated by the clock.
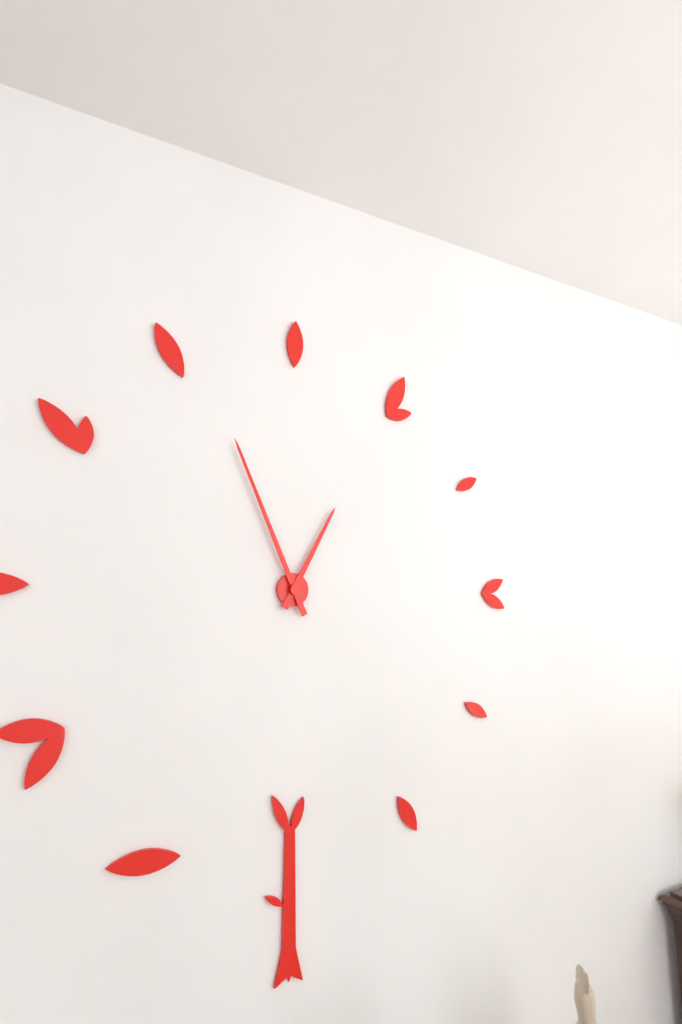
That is 12:56
